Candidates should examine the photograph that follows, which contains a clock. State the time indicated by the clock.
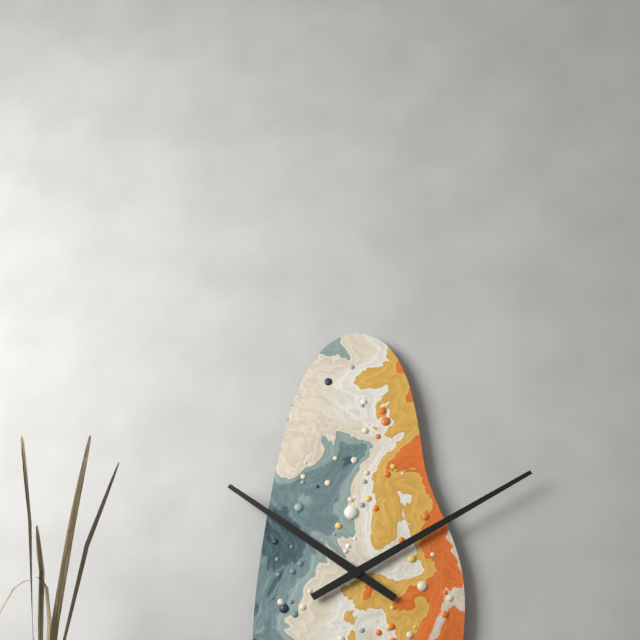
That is 10:10
